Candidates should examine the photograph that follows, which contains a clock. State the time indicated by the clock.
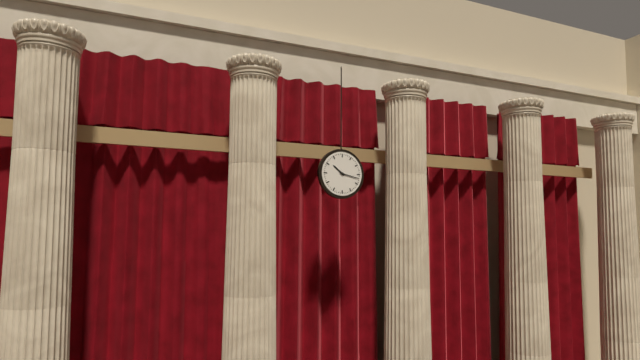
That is 10:17
